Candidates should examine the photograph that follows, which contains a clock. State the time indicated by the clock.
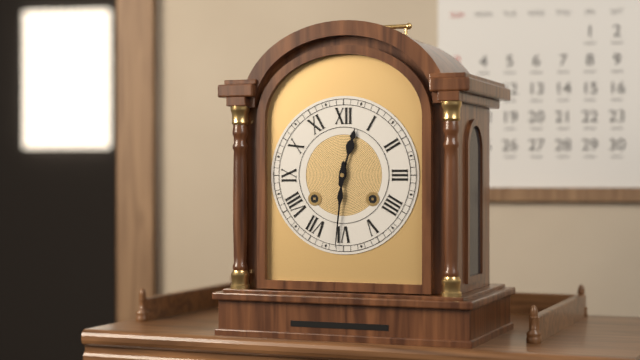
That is 12:31
